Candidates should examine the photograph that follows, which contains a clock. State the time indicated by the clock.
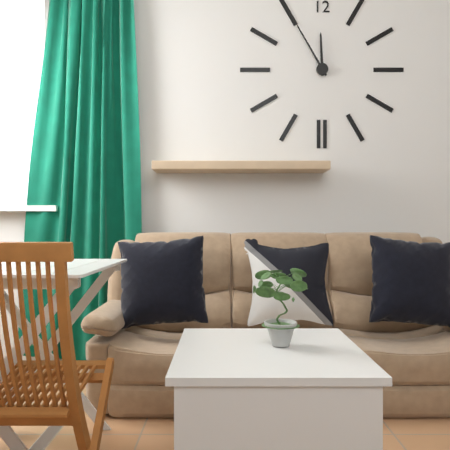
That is 11:55
